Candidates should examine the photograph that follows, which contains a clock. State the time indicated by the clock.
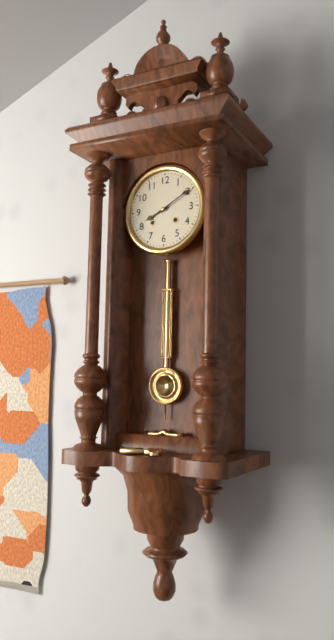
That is 8:10
